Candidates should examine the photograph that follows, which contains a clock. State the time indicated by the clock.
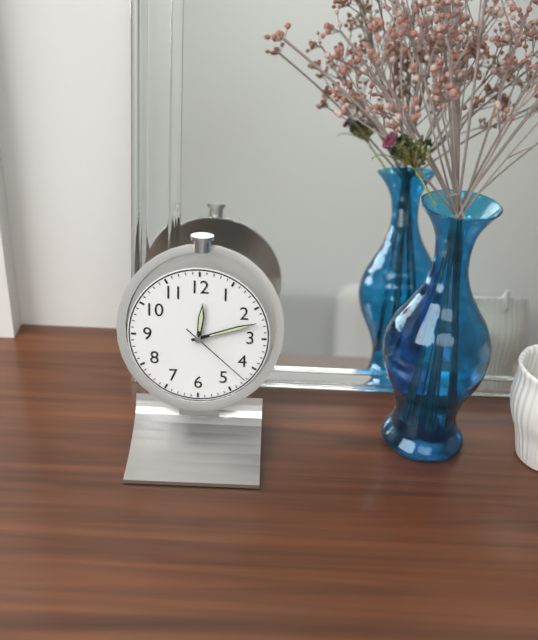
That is 12:12:22
